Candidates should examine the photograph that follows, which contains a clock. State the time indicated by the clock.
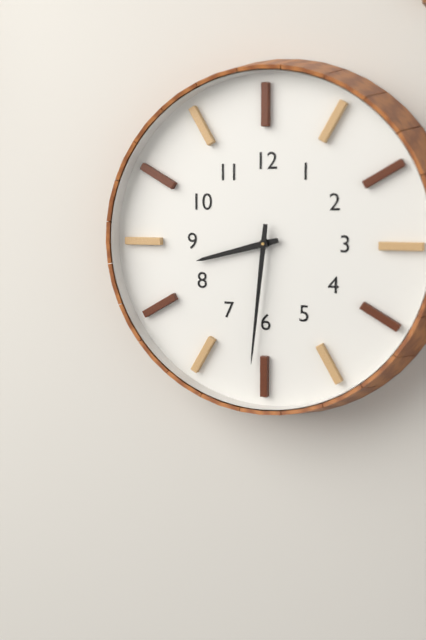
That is 8:31
